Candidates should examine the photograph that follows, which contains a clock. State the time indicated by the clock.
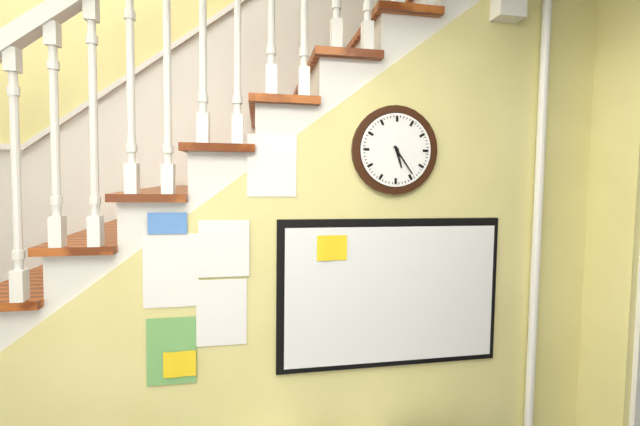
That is 5:24
